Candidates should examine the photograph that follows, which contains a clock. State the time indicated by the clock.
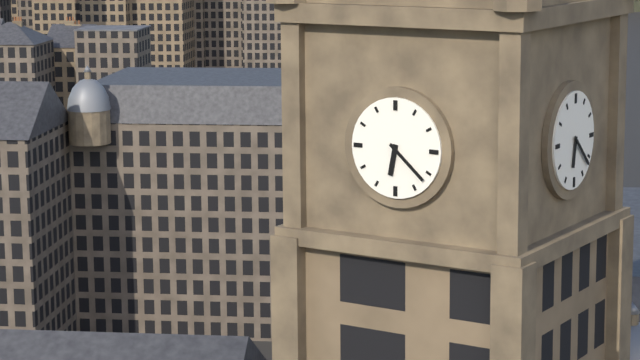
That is 6:22
